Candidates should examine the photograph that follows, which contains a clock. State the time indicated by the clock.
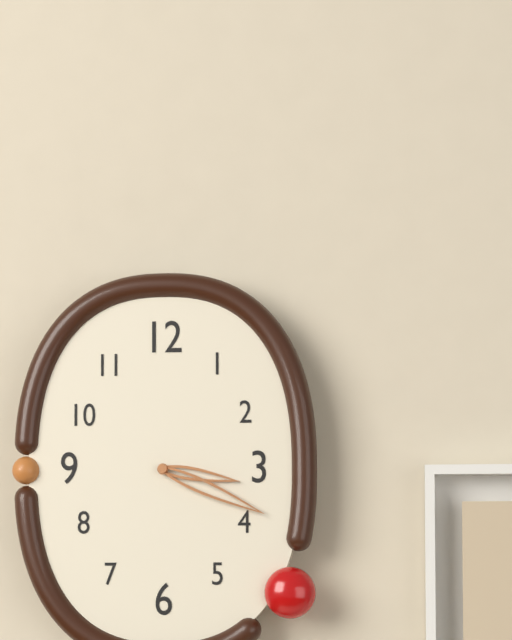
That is 3:19
